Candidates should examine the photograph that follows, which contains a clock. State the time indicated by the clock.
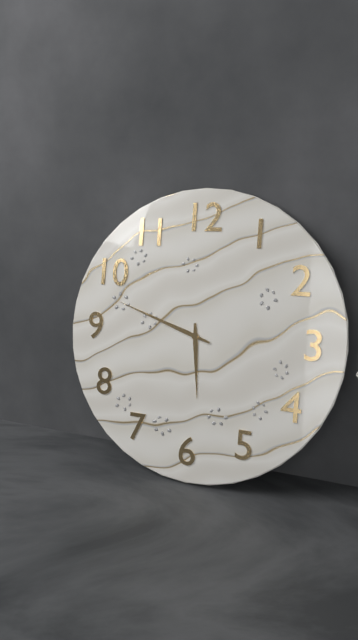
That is 5:48
